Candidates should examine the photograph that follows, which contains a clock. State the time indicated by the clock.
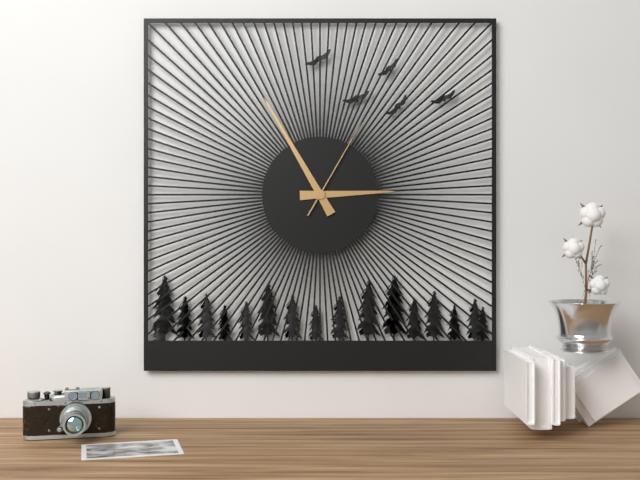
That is 2:55:05
